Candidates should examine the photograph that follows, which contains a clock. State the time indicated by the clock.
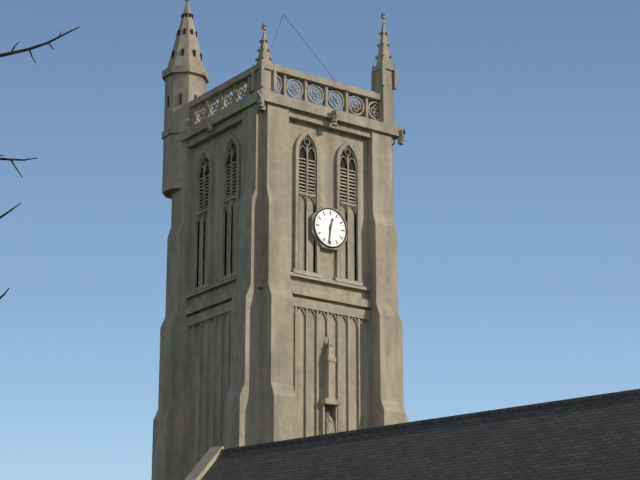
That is 12:31
